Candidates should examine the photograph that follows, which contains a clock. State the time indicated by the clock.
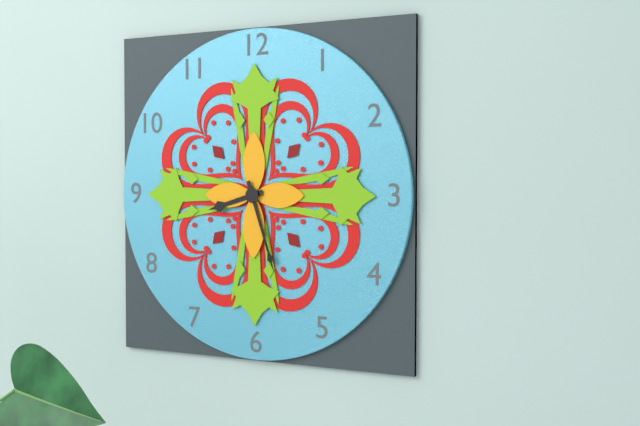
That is 8:27
